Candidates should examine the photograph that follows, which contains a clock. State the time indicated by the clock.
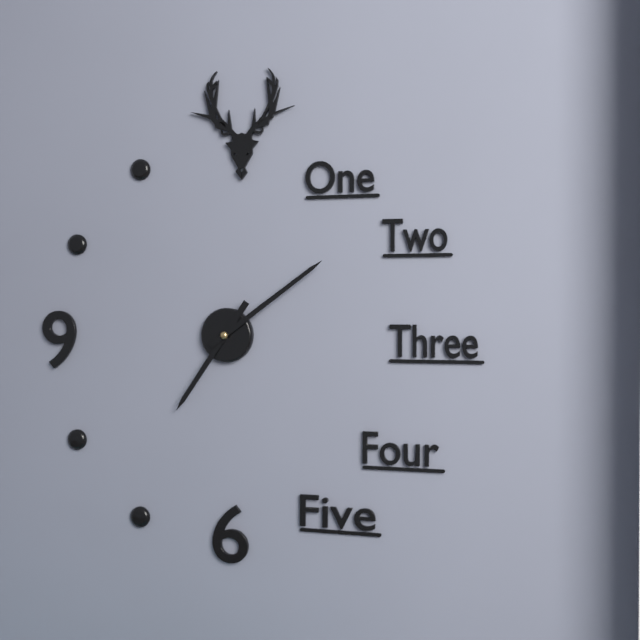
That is 7:09
